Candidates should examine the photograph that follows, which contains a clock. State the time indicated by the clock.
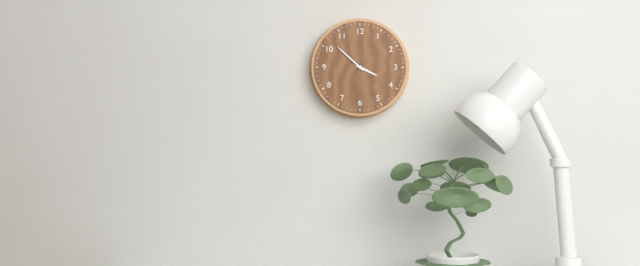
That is 3:52
